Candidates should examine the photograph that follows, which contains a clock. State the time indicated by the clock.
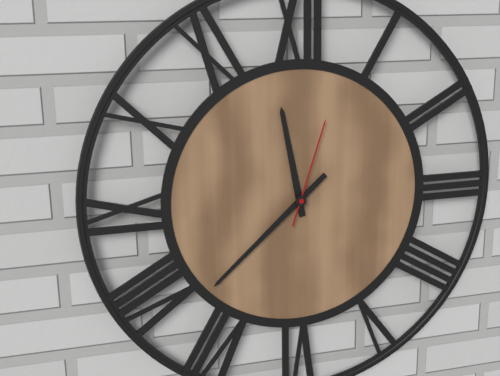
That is 11:38:03
